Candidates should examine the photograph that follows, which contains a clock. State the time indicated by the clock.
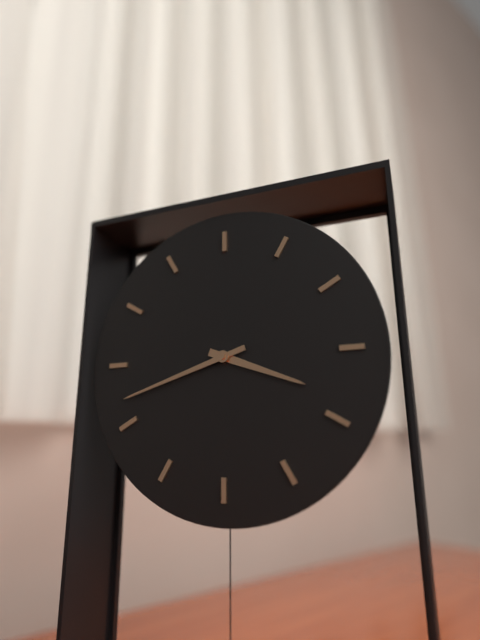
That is 3:42
